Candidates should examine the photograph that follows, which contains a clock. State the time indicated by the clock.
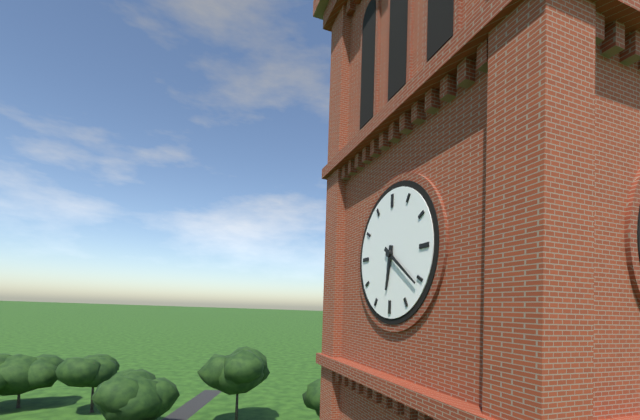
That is 6:21
